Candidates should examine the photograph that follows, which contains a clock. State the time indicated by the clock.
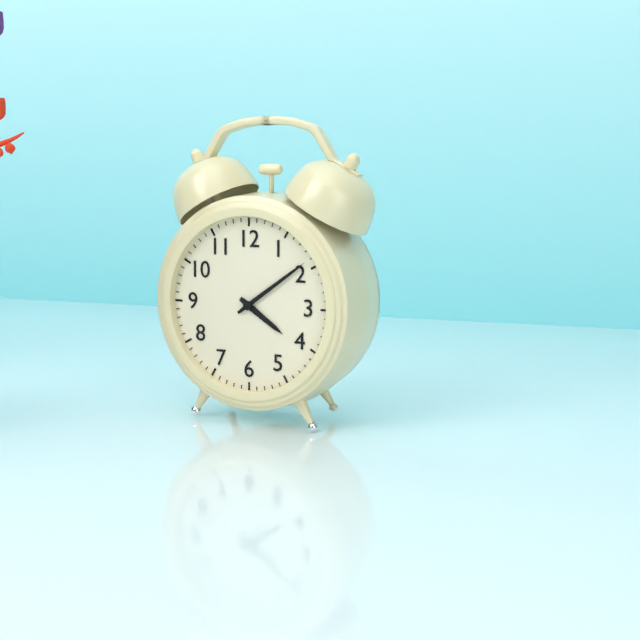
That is 4:09
